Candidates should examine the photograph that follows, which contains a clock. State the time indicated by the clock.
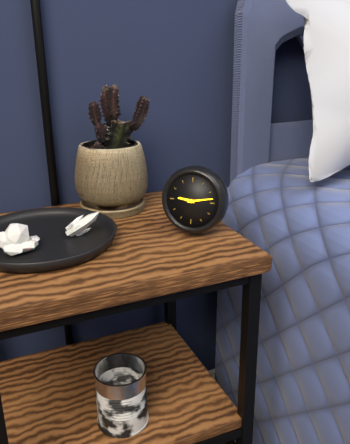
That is 9:13
